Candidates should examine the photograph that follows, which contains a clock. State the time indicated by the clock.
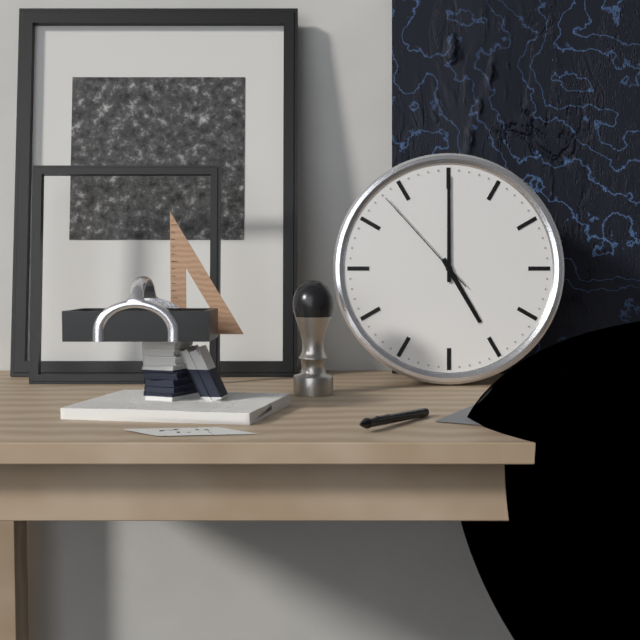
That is 5:00:53
